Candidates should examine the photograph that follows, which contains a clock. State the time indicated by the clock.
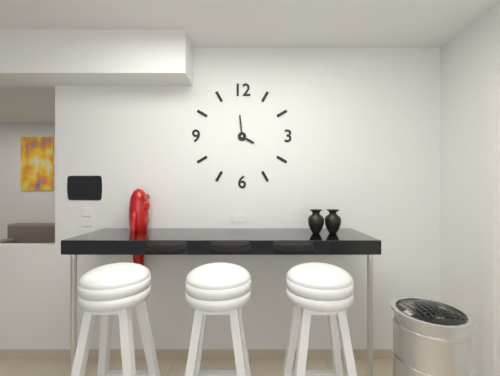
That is 3:59
